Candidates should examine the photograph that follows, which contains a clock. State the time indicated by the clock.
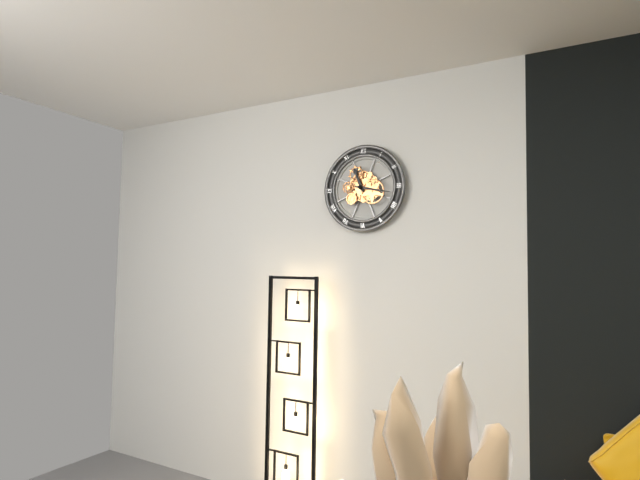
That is 11:17
